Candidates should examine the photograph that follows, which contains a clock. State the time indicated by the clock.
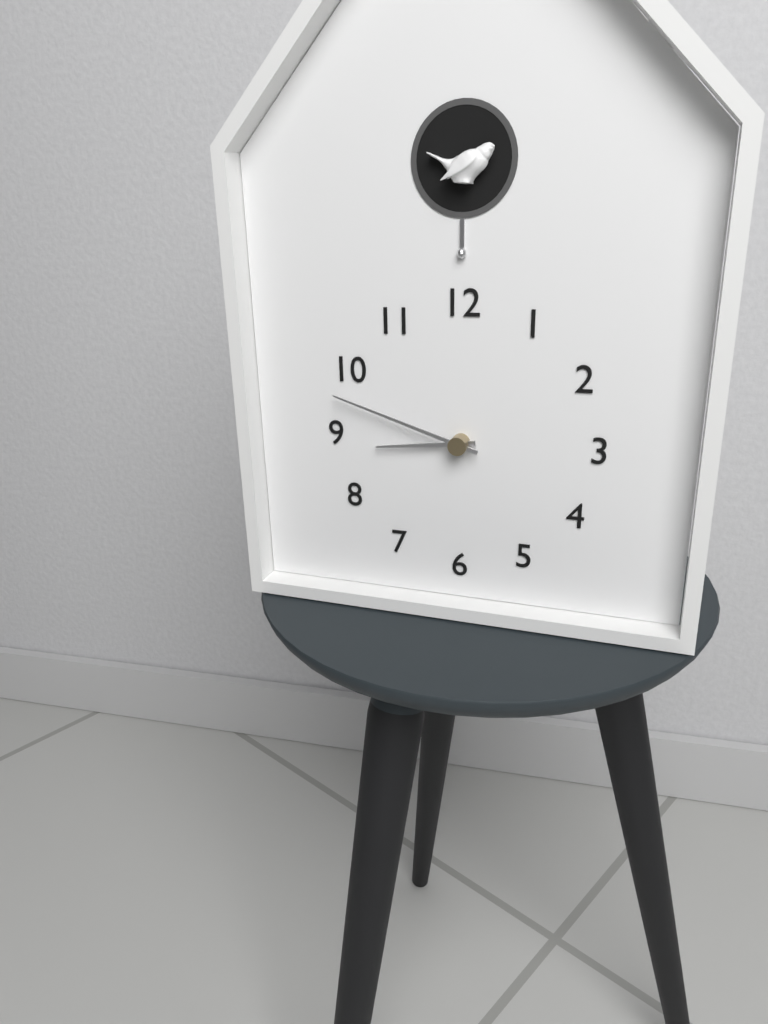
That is 8:48
